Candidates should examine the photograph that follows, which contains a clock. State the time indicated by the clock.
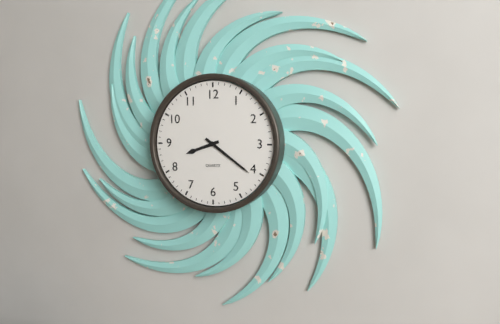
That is 8:21
